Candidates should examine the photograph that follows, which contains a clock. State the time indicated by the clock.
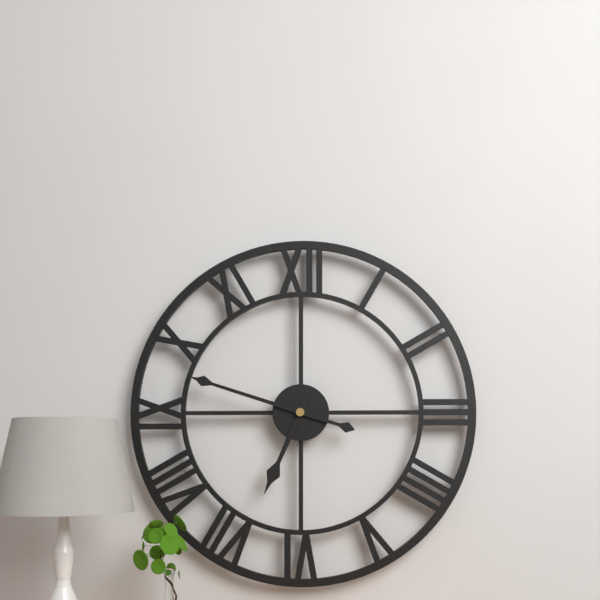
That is 6:48
